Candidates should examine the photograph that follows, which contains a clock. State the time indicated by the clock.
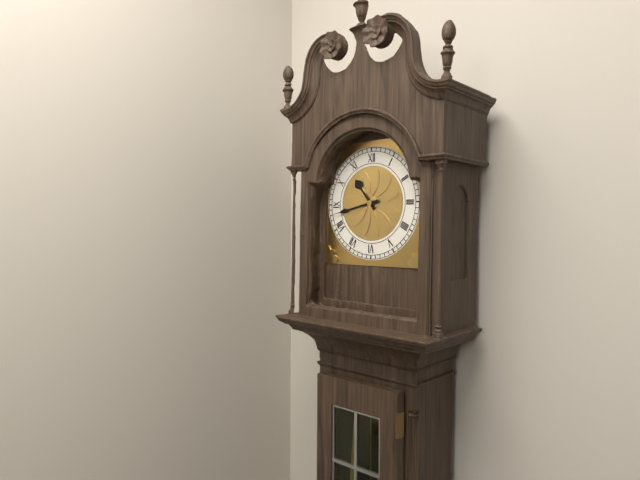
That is 10:43
